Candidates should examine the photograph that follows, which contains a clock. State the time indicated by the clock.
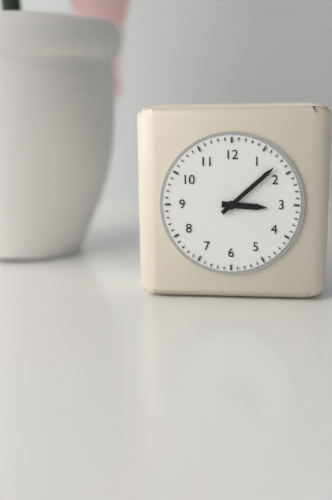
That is 3:08
